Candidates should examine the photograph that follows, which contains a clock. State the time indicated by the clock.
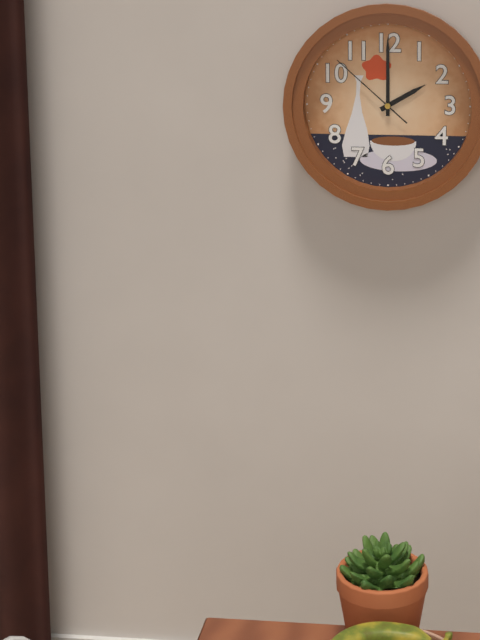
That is 2:00:52
